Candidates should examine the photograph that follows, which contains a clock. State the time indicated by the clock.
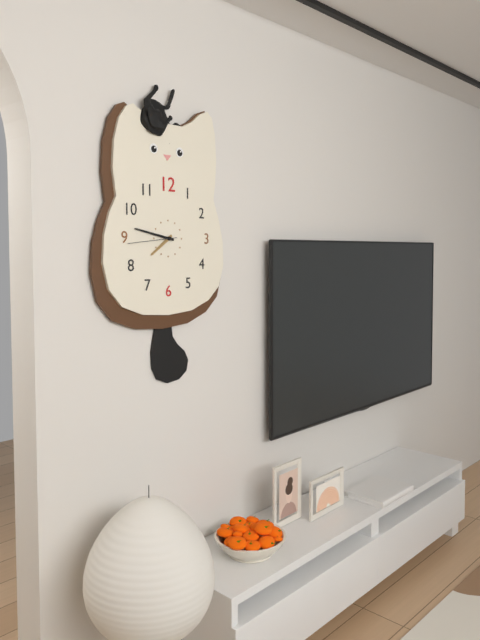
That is 7:47
